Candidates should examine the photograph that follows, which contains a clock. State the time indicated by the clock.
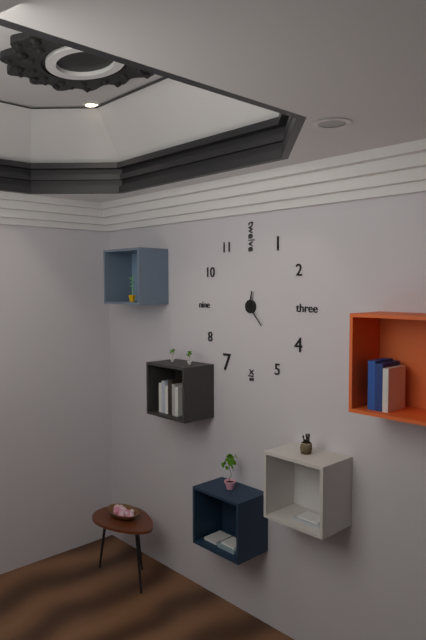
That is 12:23
